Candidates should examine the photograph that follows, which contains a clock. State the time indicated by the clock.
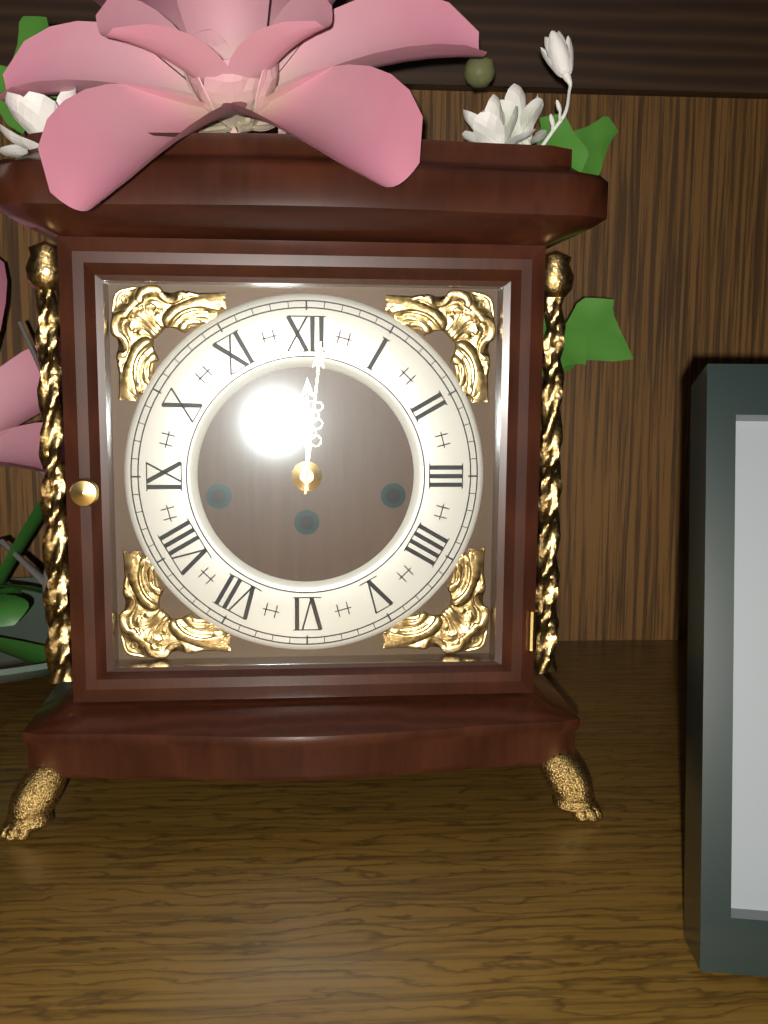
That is 12:01
